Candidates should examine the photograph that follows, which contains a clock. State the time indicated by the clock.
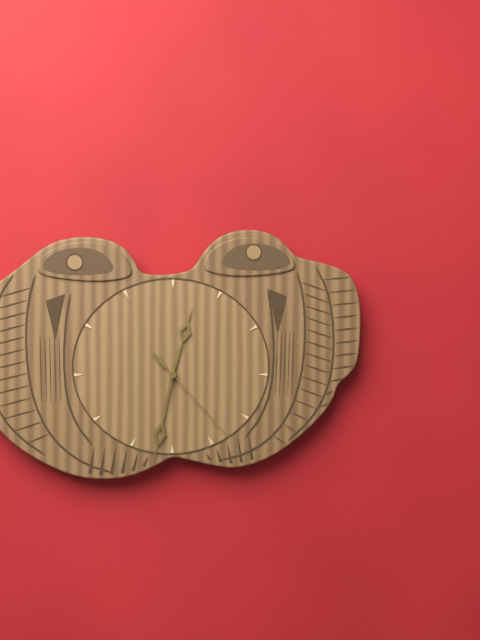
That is 12:32:23
